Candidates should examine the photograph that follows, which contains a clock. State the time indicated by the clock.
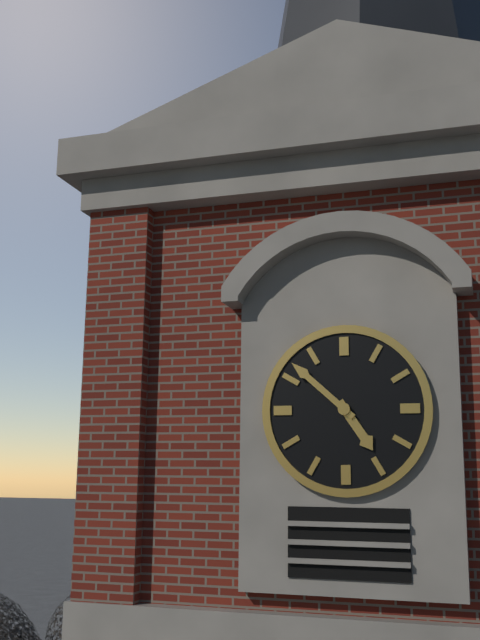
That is 4:52
